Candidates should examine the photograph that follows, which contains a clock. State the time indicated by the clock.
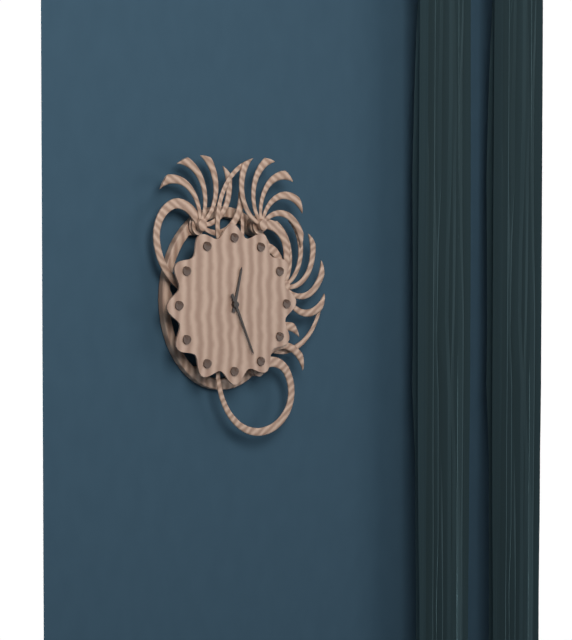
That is 12:26
